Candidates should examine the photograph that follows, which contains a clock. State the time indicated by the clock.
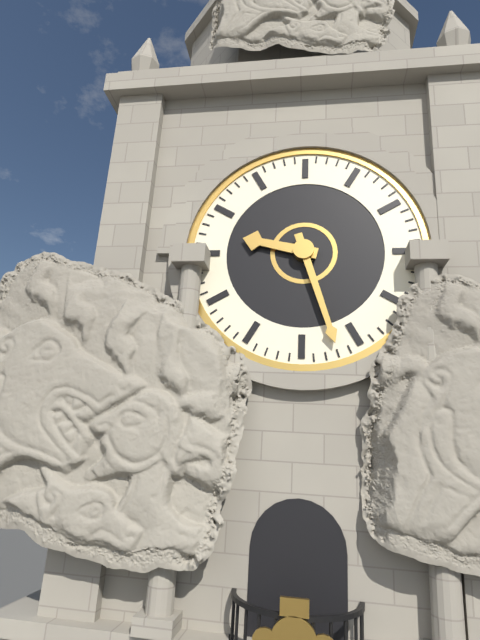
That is 9:27
